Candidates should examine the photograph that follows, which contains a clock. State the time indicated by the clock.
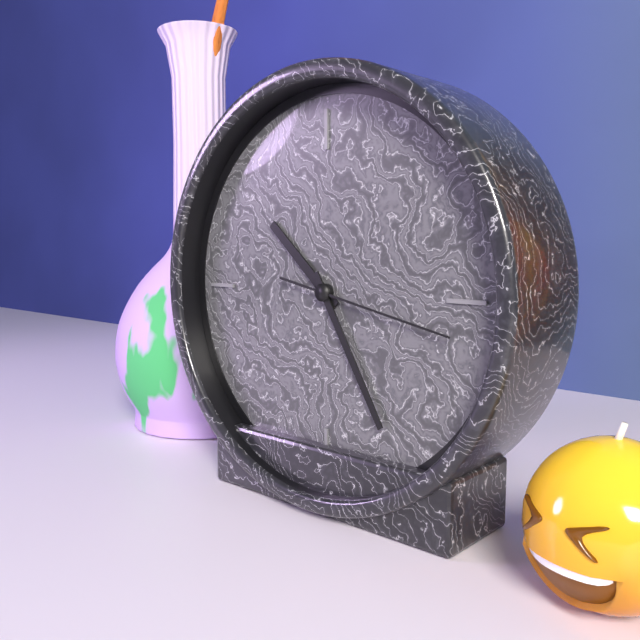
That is 10:25:17
